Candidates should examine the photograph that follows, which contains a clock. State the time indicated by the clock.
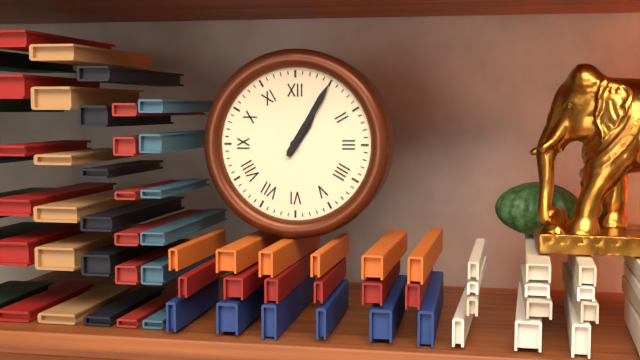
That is 1:05
